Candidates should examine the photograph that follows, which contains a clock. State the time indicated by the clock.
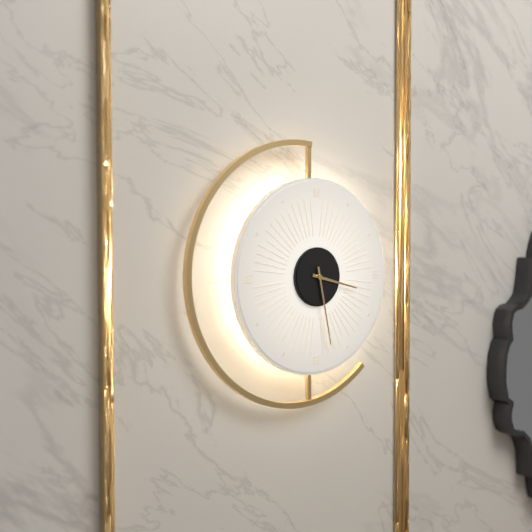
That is 3:28
